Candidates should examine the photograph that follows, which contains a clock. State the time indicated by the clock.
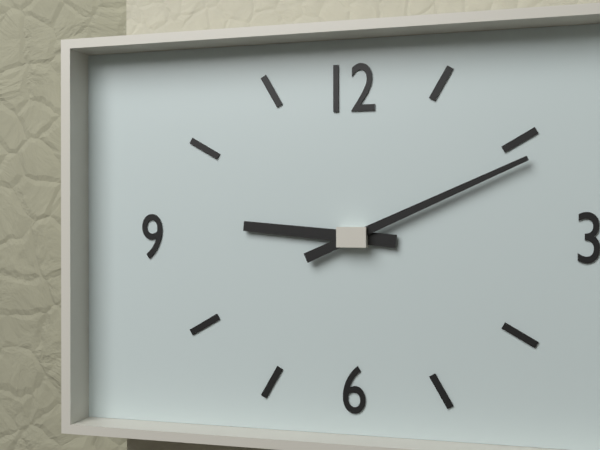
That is 9:11
